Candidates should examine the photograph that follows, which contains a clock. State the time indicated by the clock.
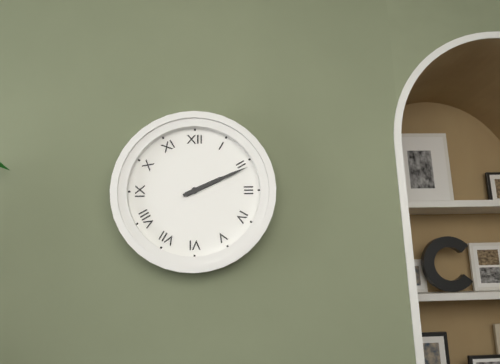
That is 2:11
